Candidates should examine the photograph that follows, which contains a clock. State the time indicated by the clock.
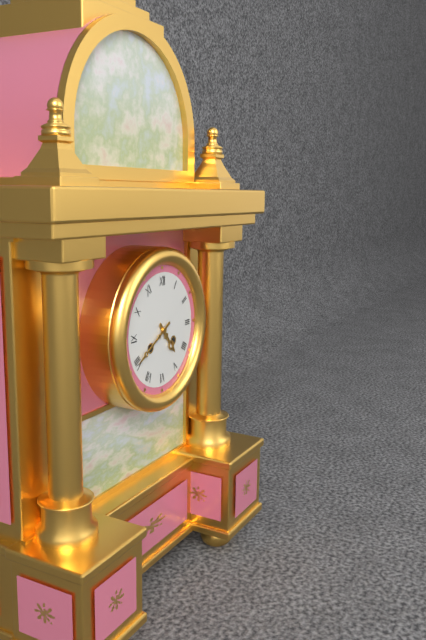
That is 4:40
